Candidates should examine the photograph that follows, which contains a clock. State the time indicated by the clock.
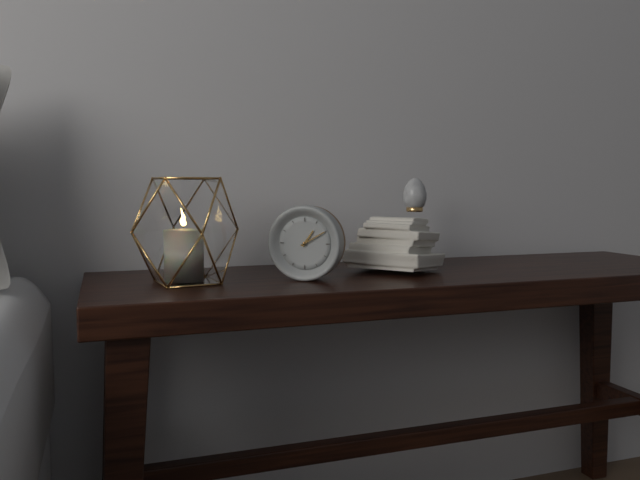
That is 1:10
